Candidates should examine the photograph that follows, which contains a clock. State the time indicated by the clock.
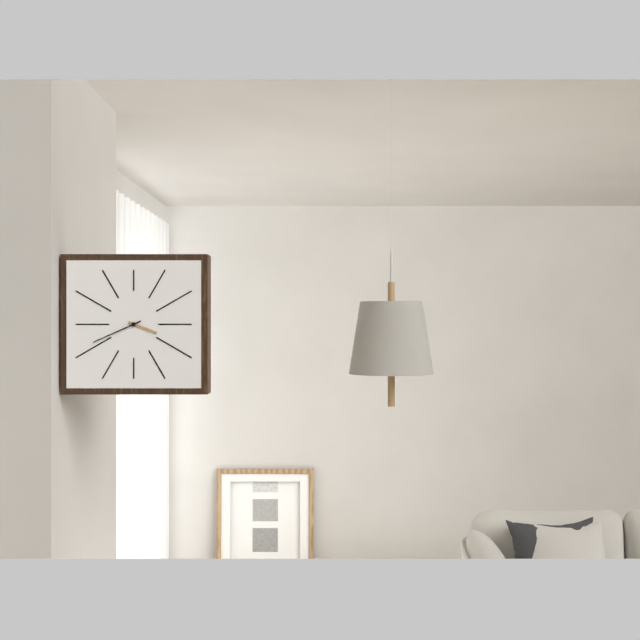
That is 3:41
